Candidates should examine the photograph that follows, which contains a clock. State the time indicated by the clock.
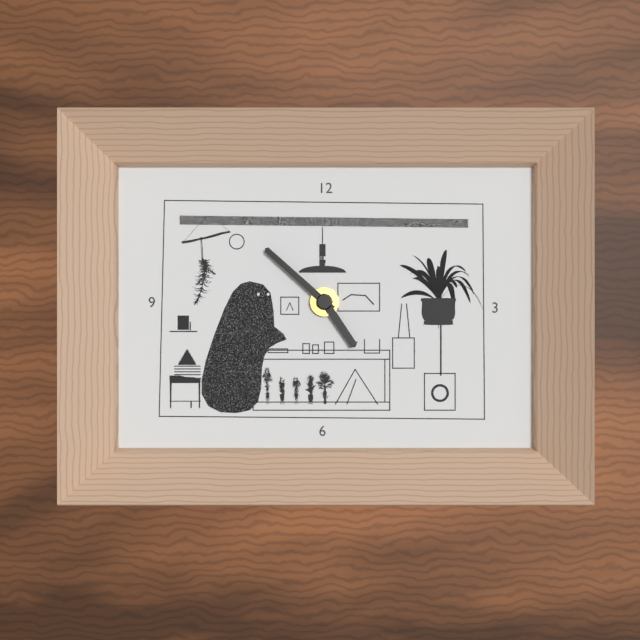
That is 4:52
